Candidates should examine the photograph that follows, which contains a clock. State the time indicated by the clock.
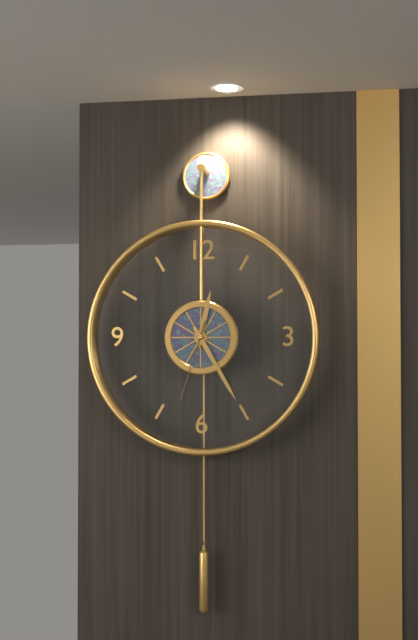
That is 12:25:33
